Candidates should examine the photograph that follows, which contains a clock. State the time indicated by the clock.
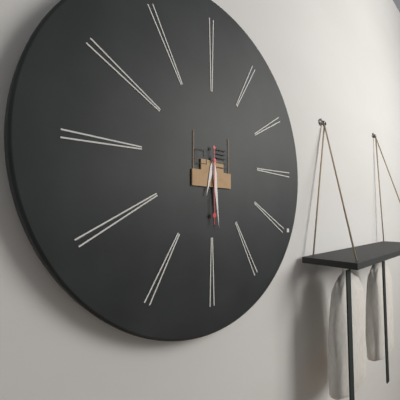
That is 6:29:30
